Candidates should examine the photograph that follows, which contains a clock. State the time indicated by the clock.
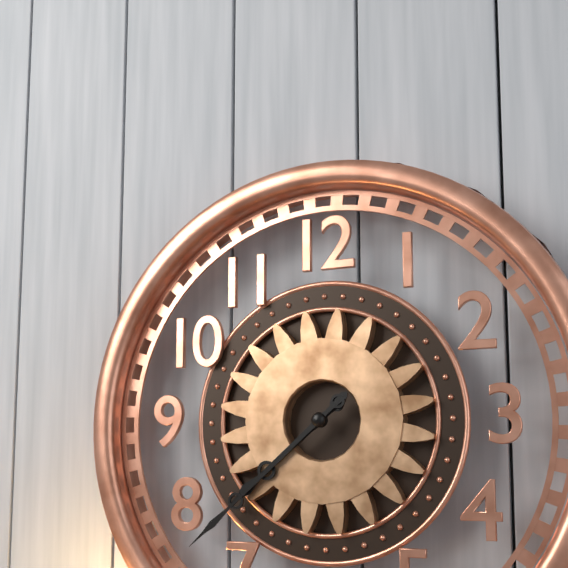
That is 7:38
